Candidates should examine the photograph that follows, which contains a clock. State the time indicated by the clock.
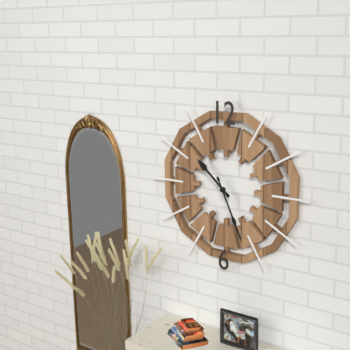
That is 10:26
